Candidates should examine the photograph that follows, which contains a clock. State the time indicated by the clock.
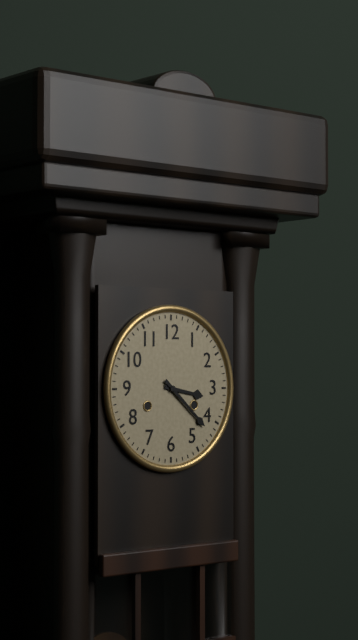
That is 3:22
